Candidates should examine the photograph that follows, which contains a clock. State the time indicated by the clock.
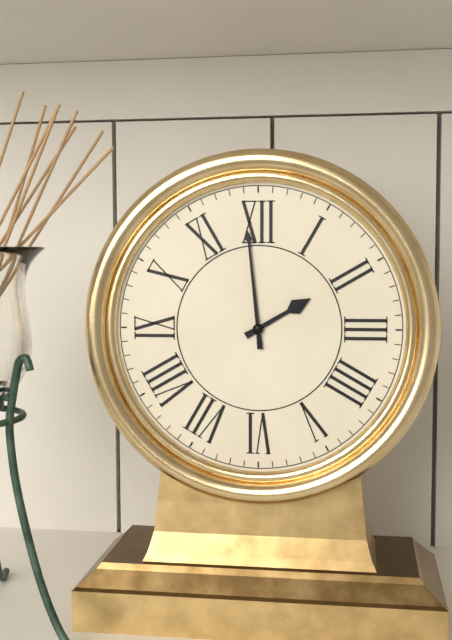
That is 1:59
